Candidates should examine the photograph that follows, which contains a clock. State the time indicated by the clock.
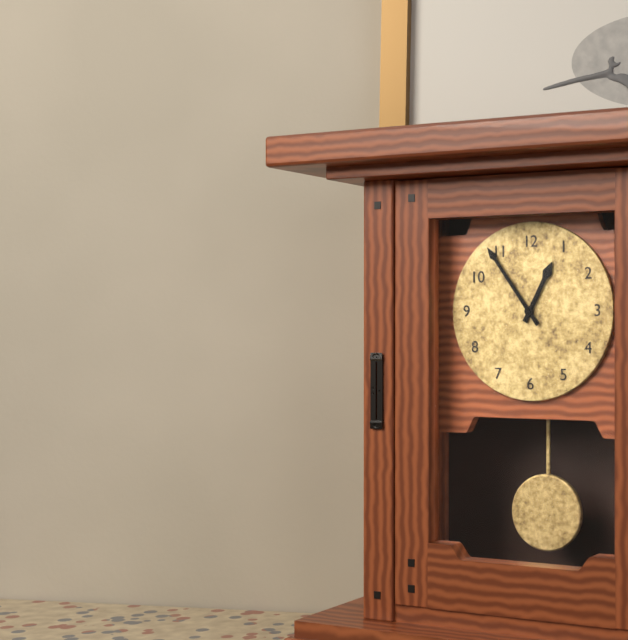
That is 12:54
